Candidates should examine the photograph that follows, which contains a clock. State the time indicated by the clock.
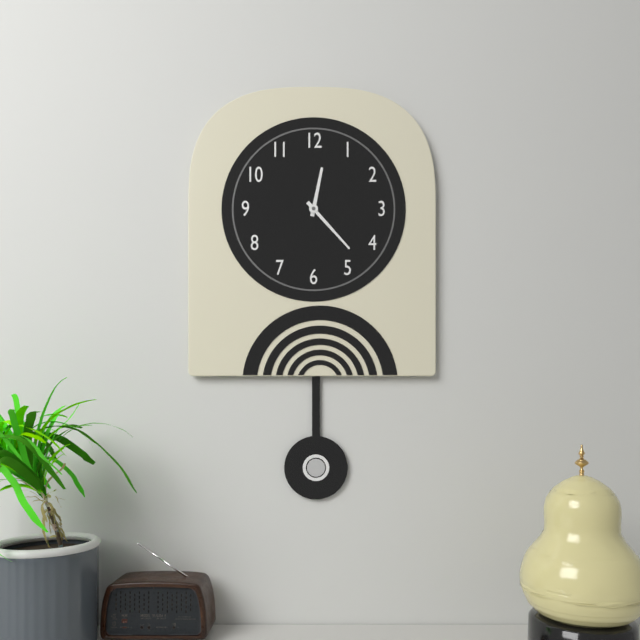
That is 12:23
